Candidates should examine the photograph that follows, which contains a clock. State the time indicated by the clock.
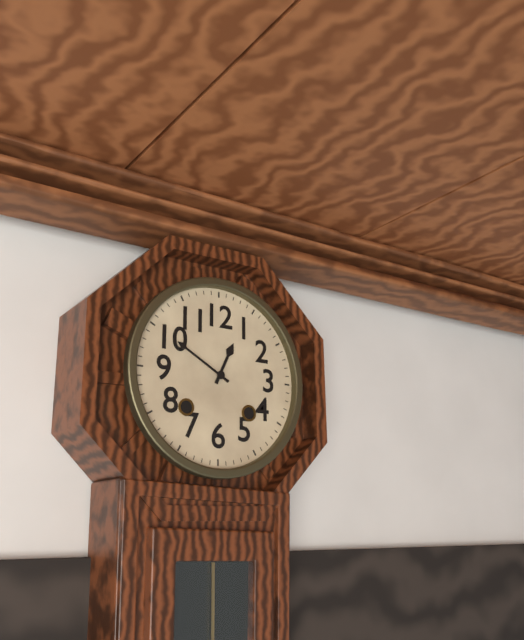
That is 12:50
